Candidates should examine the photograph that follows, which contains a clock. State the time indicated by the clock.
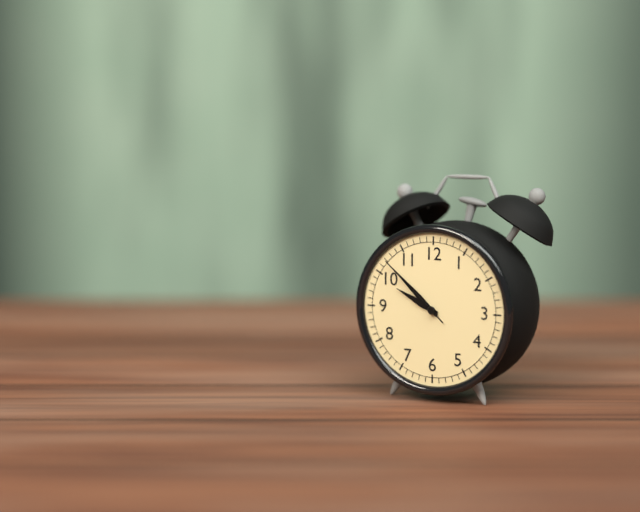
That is 9:52:52
